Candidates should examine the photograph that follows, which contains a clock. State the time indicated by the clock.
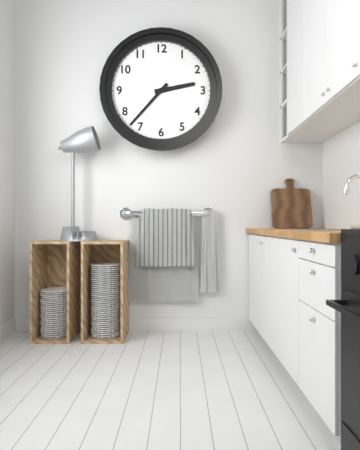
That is 2:37
